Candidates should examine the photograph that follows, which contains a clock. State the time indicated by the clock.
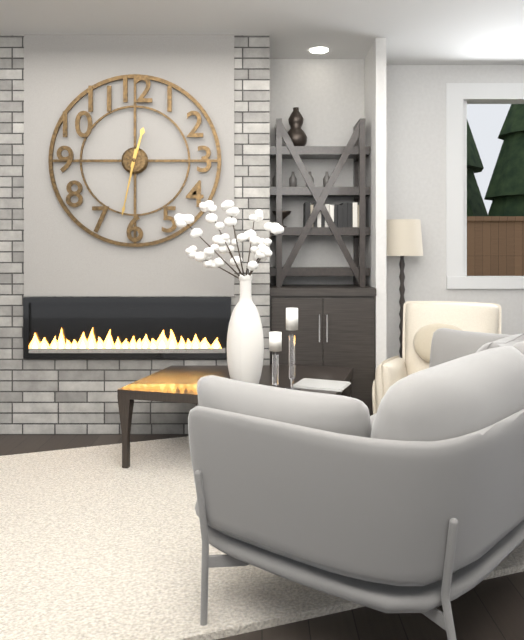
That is 12:32
